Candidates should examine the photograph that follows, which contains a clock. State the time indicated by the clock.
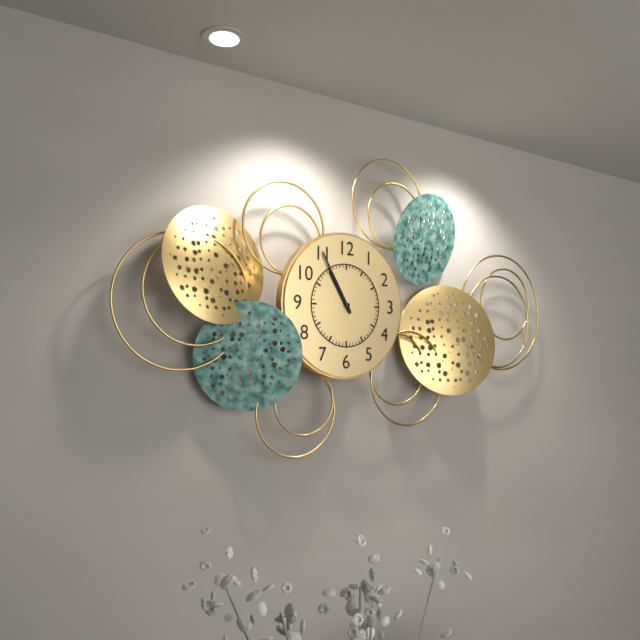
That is 10:55
